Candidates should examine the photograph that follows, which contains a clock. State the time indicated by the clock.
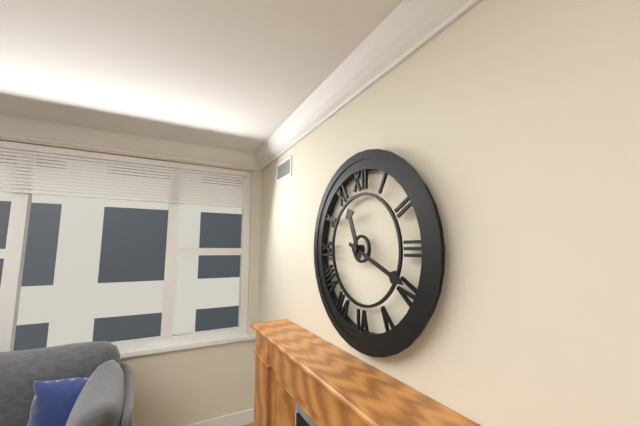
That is 11:19
